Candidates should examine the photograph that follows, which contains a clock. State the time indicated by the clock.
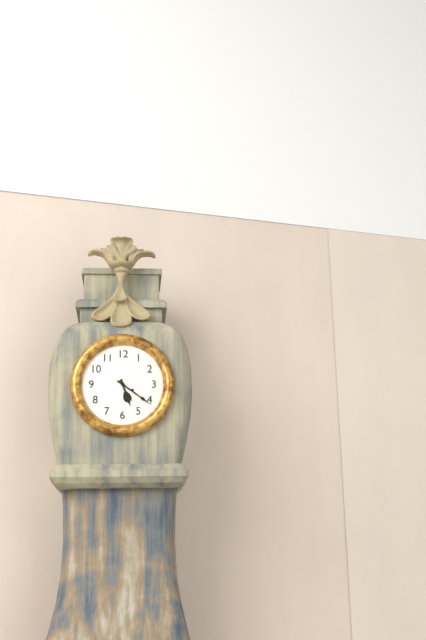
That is 5:21
